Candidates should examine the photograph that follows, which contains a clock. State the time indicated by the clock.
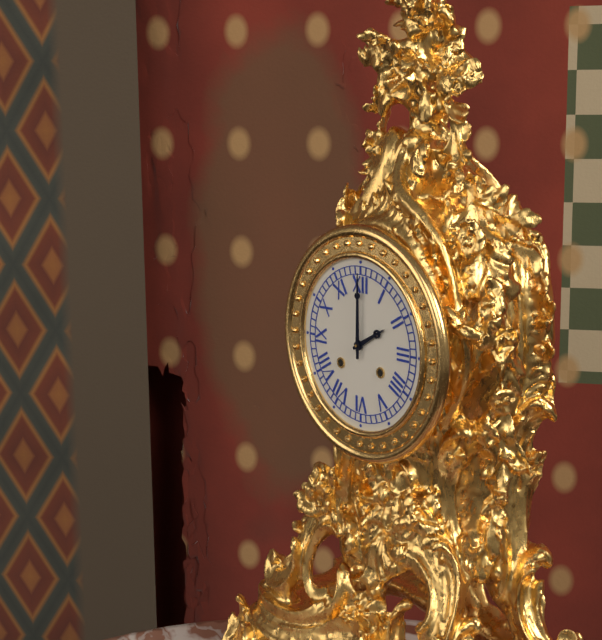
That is 2:00
